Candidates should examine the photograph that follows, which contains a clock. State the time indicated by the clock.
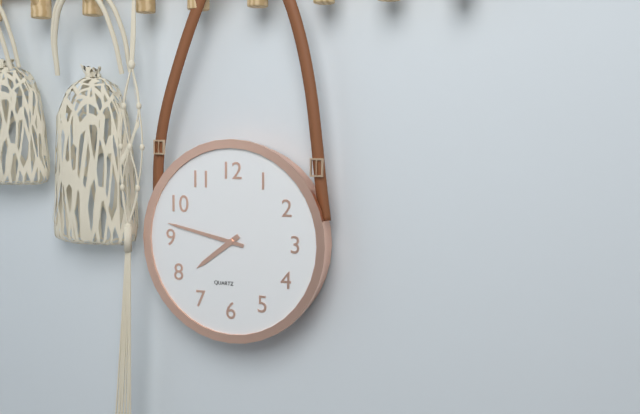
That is 7:47
